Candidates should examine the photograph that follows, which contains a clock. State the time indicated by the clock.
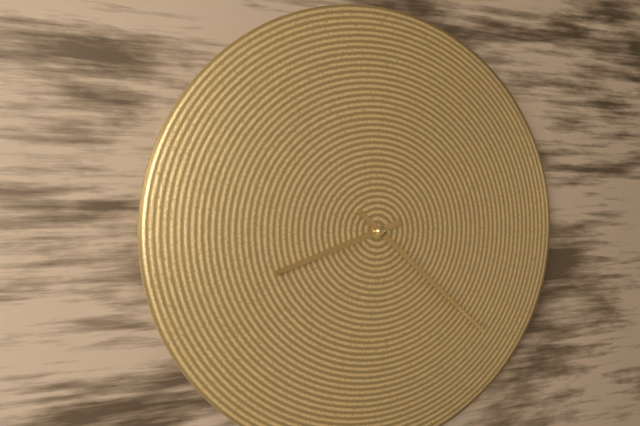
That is 8:22
